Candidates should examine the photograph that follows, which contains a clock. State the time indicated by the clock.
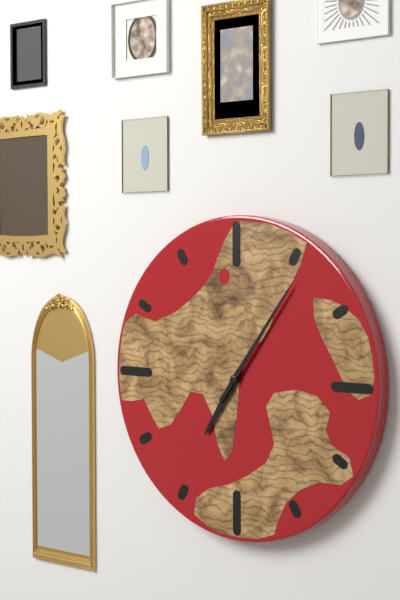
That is 7:06
